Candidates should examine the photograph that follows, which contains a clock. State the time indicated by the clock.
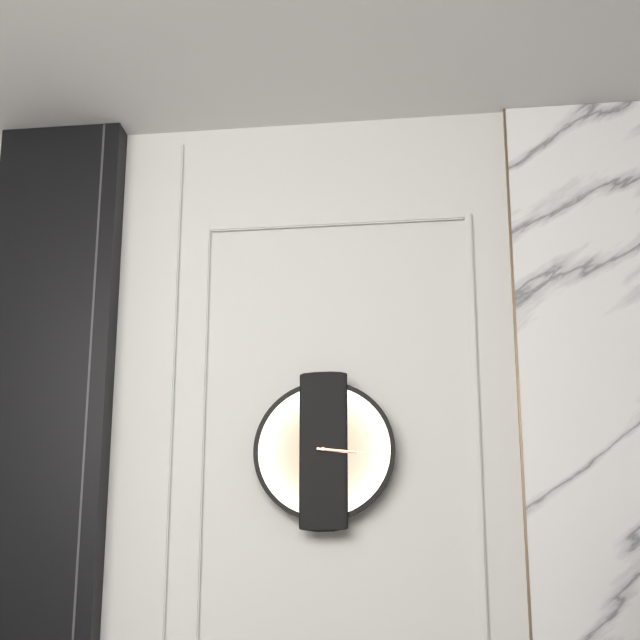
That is 3:16
